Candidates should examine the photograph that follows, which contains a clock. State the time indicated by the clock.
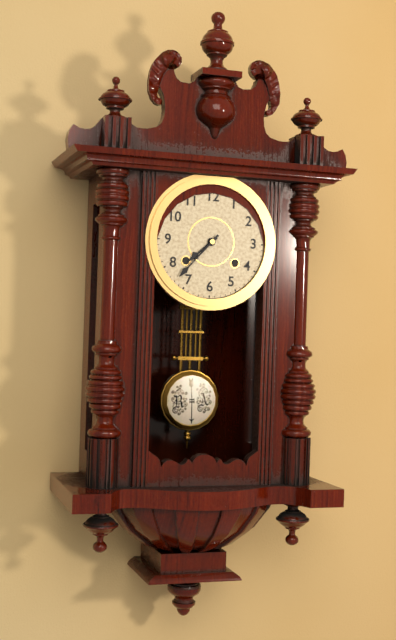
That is 7:37
